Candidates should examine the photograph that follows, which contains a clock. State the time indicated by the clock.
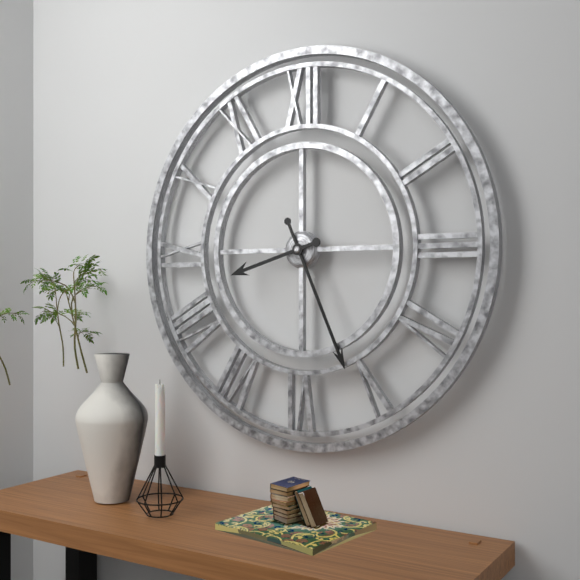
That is 8:26
